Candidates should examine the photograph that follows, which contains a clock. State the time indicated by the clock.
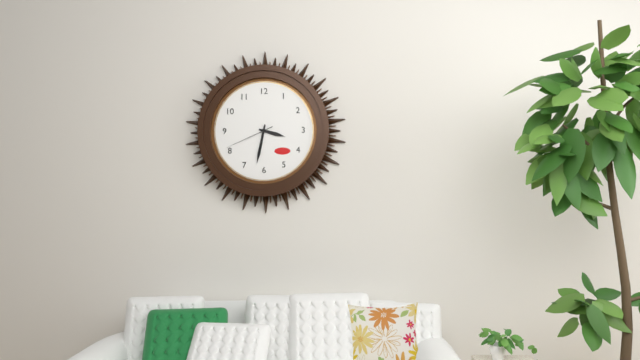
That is 3:32:41
